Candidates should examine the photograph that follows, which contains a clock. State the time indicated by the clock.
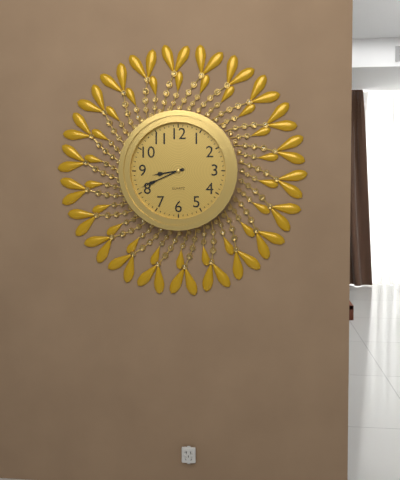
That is 8:41
